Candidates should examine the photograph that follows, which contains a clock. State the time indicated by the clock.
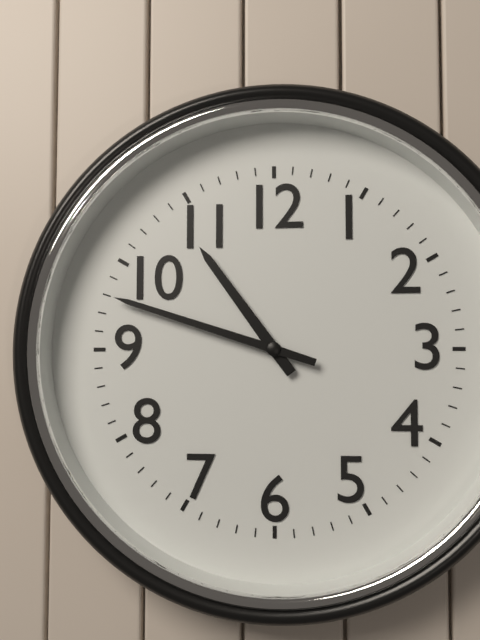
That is 10:48
